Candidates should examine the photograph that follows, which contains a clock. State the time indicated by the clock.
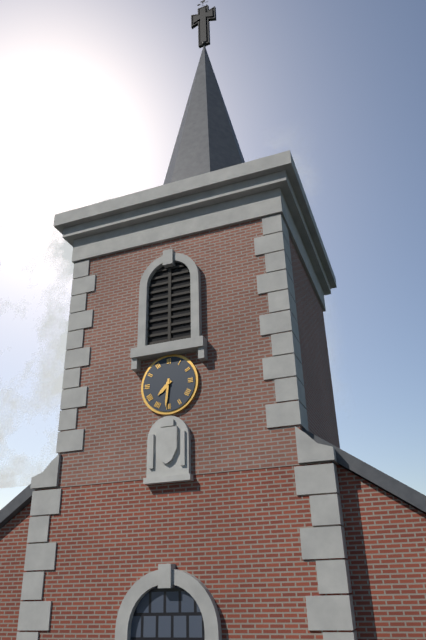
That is 7:31
